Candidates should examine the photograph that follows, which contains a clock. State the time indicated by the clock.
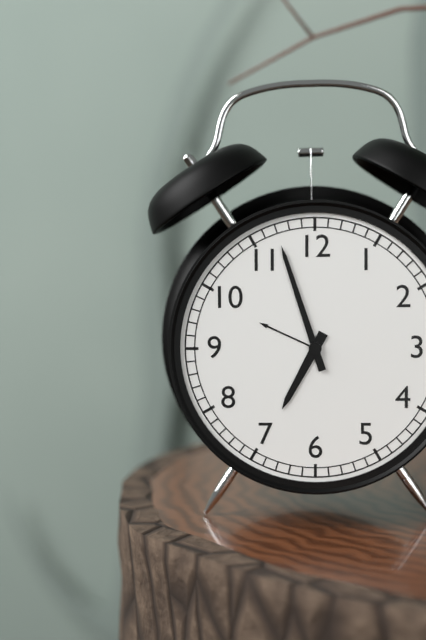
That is 6:57
